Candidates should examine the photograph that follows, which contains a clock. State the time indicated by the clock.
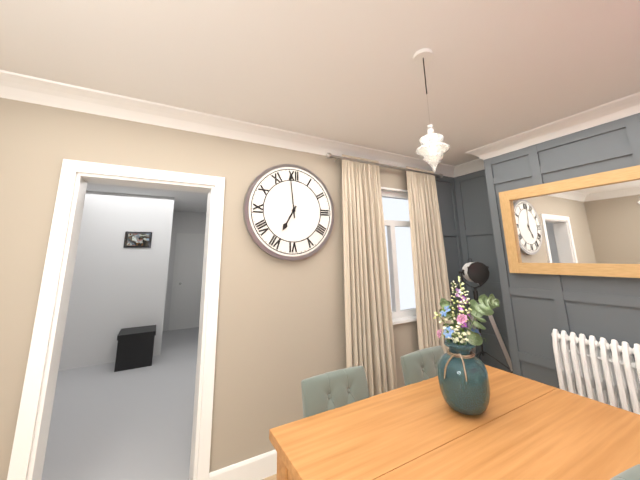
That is 6:59
